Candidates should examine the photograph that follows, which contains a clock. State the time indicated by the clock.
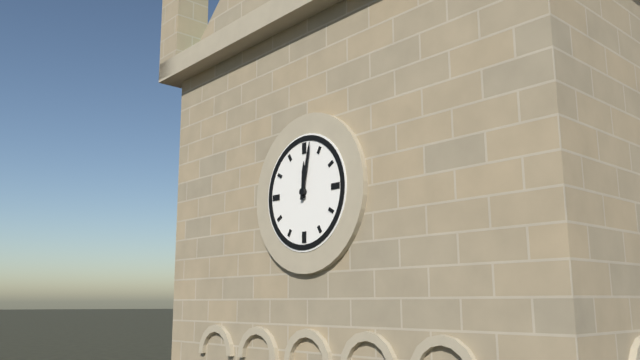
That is 12:02
